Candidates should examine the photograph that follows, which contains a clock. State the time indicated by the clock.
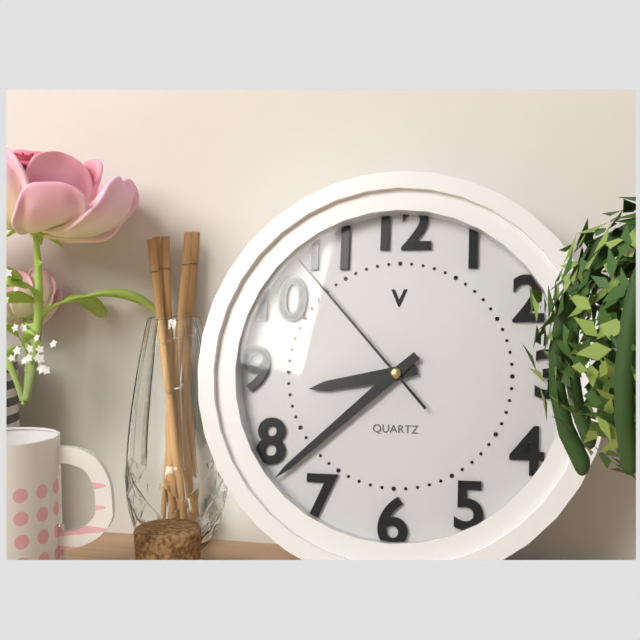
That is 8:38:53
